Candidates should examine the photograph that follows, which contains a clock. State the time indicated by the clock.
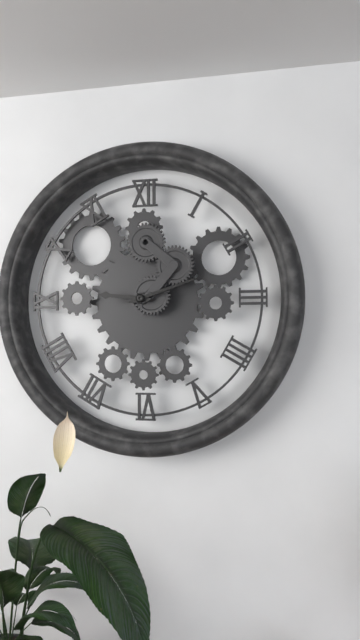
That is 9:12
